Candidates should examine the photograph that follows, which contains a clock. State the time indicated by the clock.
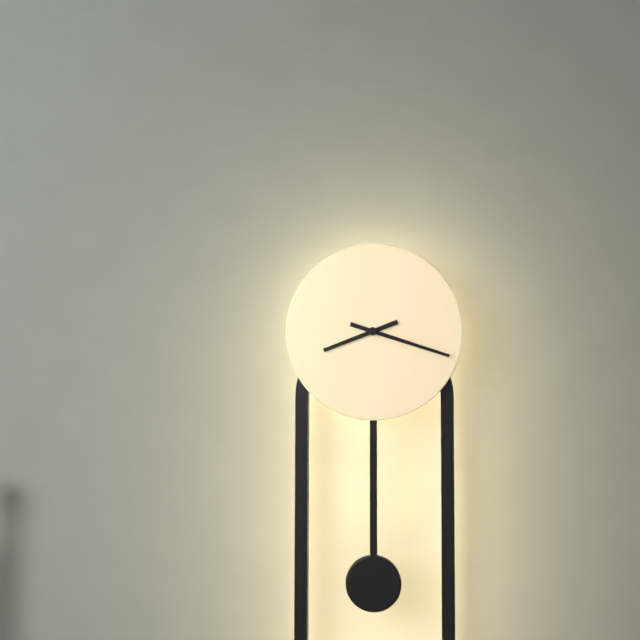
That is 8:18
